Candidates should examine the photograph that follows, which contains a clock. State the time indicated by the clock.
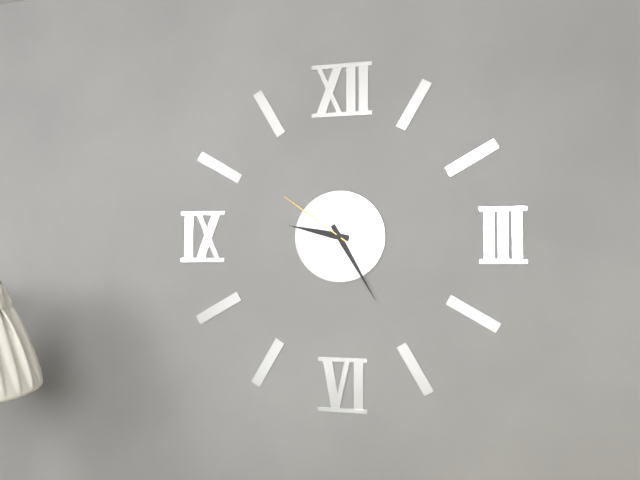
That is 9:25:51
